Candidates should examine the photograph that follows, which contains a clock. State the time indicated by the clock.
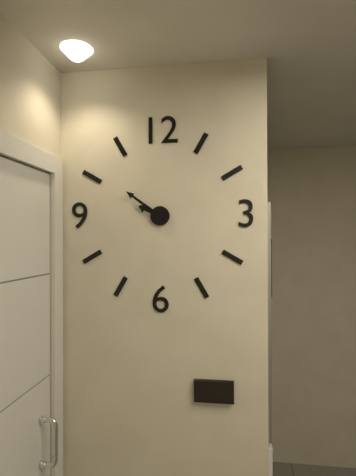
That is 9:51
